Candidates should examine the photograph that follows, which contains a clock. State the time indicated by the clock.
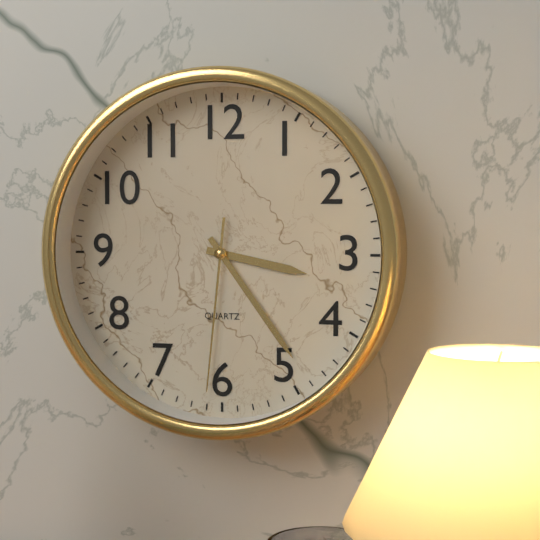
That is 3:24:31
